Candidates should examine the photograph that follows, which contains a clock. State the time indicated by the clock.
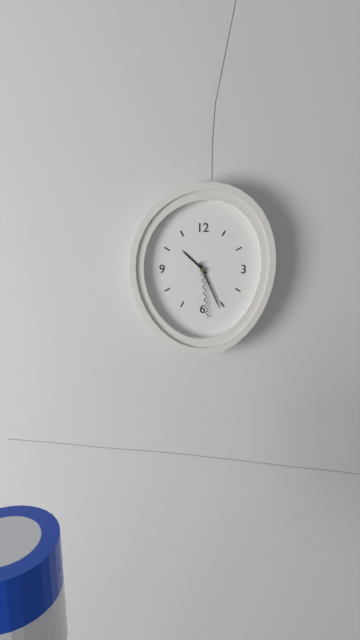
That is 10:26:29
